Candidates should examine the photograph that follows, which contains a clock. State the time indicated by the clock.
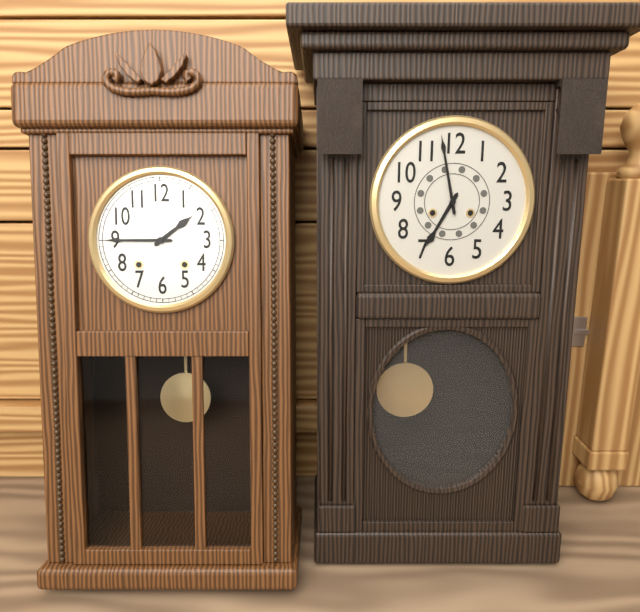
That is 1:45
